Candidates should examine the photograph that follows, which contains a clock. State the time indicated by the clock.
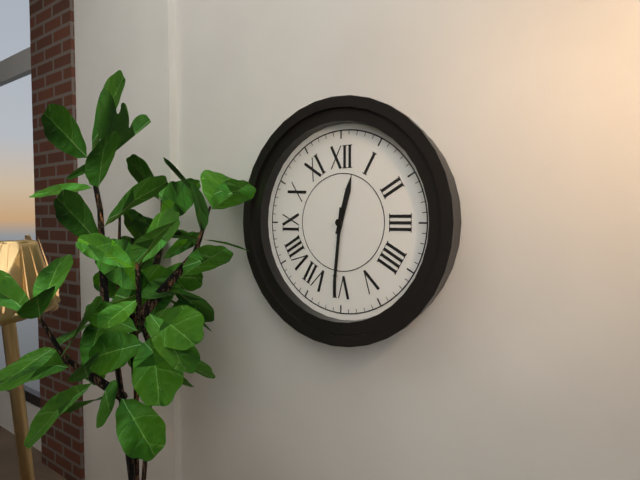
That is 12:31
